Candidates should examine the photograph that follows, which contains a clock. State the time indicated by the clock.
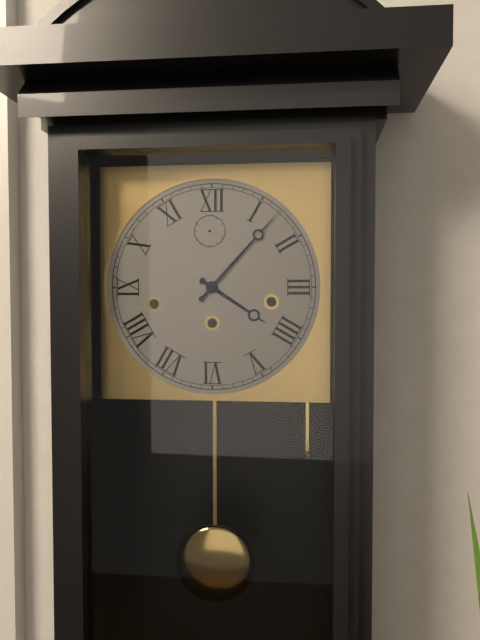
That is 4:07
